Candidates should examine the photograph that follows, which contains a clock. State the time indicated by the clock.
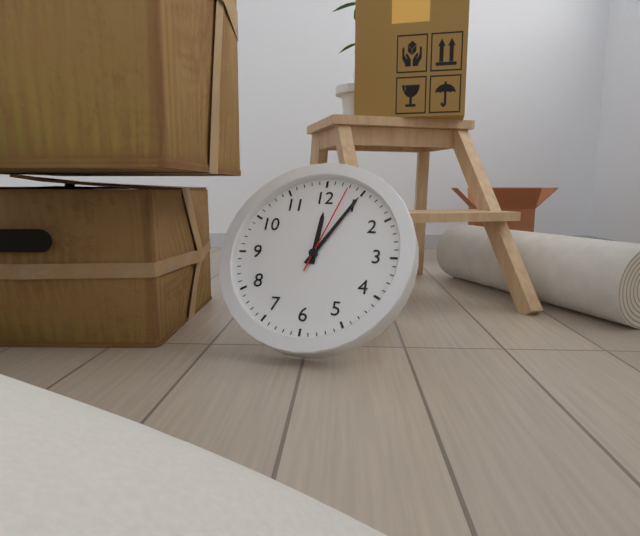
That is 12:05:03
